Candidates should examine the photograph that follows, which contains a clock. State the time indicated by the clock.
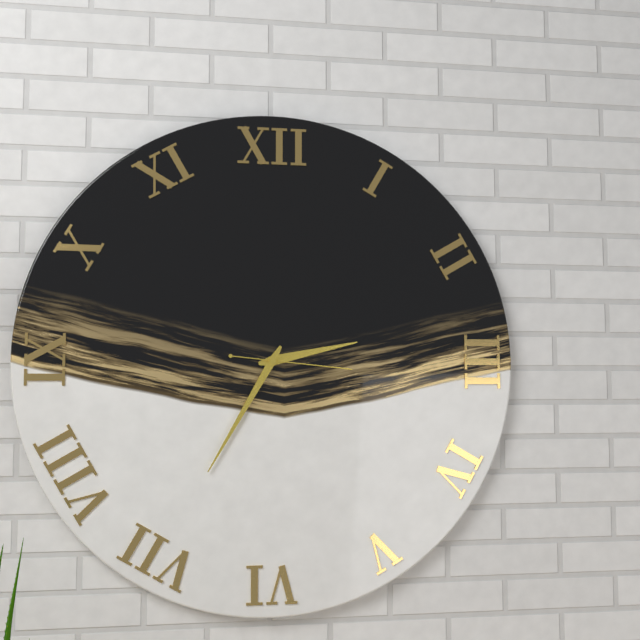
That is 2:35:16
